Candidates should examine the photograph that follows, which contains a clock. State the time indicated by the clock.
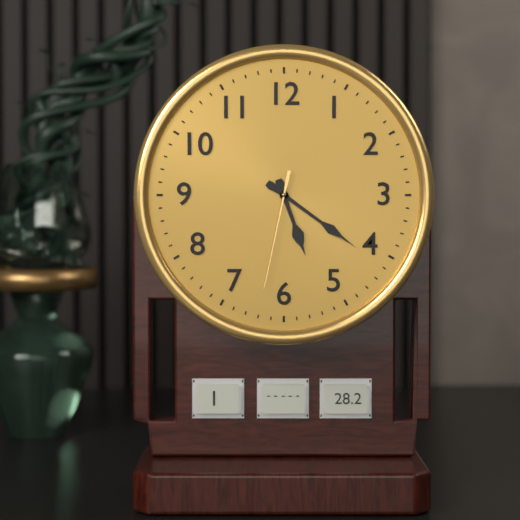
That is 5:21:32
